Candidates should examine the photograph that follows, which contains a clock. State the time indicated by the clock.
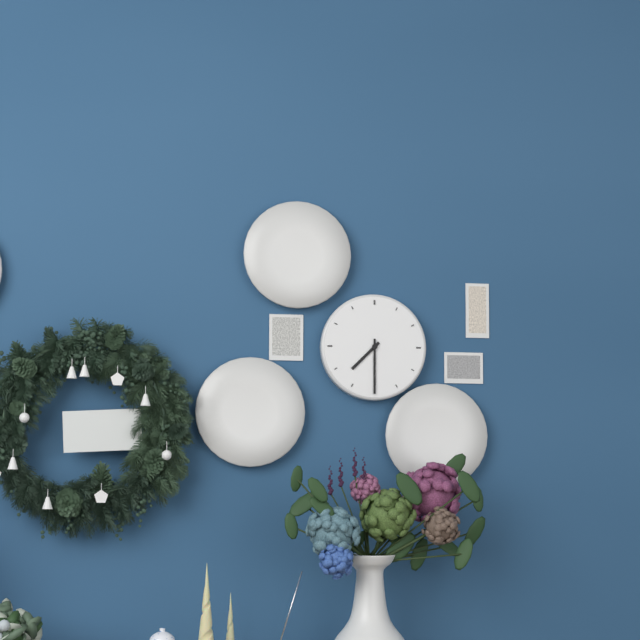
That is 7:30
